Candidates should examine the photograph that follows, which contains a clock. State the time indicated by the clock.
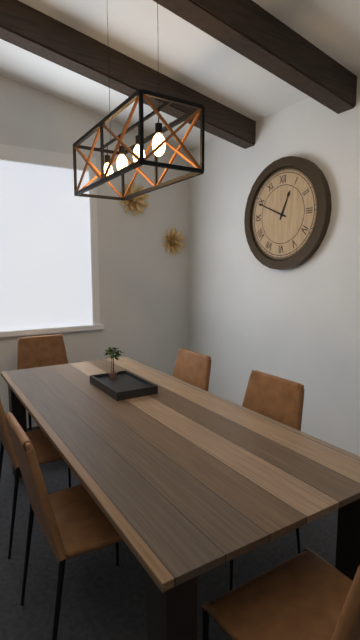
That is 12:49
